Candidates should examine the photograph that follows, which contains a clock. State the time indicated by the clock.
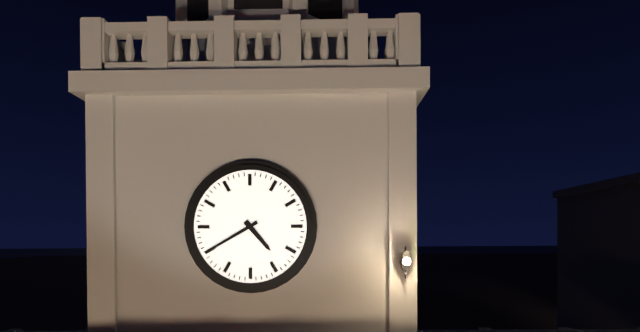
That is 4:40
